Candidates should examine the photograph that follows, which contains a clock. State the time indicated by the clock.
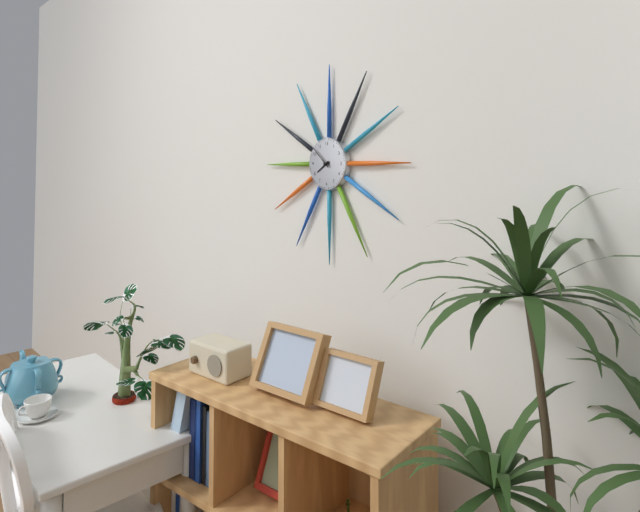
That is 7:52
